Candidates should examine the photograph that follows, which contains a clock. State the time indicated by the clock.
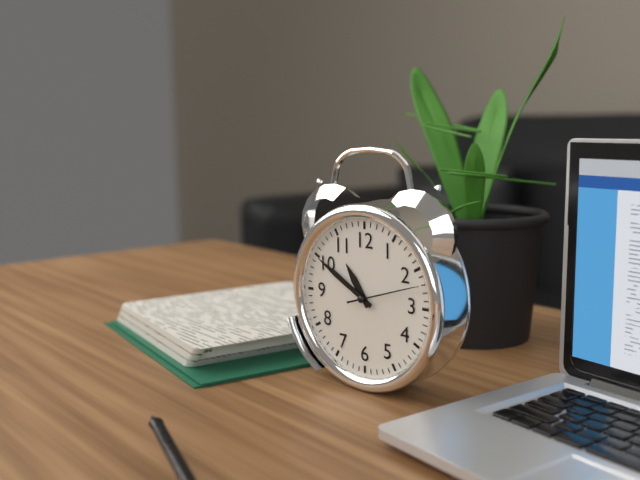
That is 10:50:12
